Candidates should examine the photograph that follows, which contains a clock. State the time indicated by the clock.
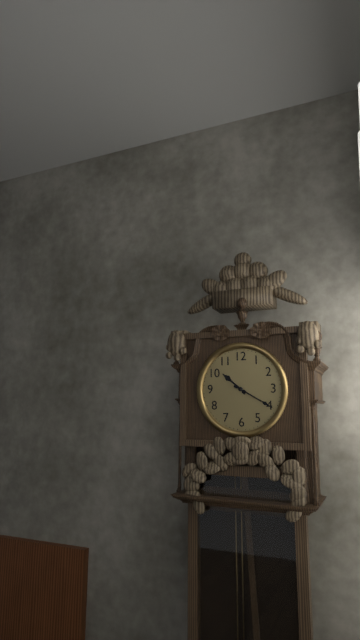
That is 10:20
